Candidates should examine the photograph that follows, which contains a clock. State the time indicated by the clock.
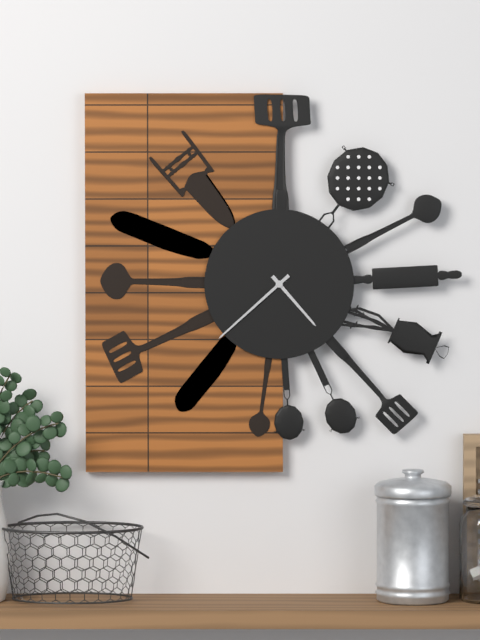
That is 4:38
